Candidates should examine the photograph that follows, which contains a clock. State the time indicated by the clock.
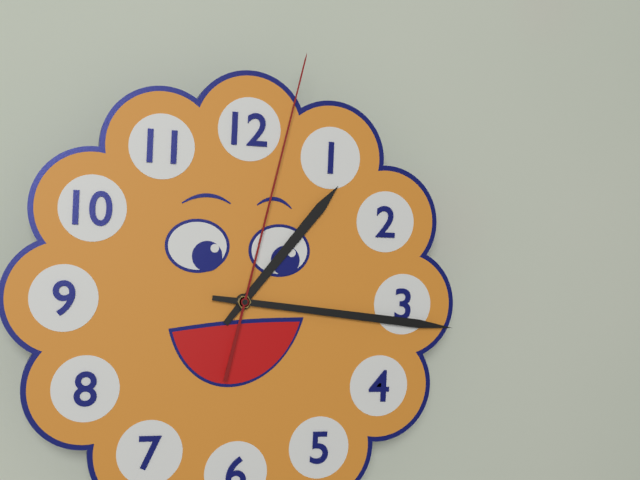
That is 1:16:02
